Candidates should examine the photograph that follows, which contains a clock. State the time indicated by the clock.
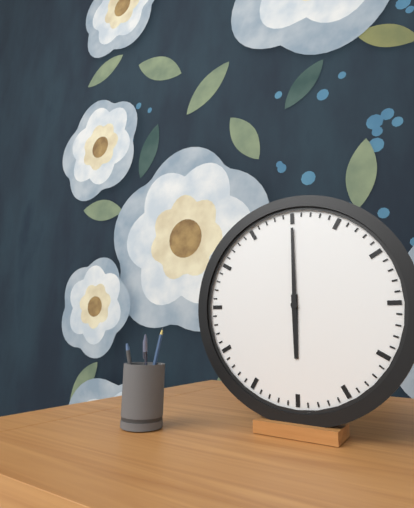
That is 6:00
